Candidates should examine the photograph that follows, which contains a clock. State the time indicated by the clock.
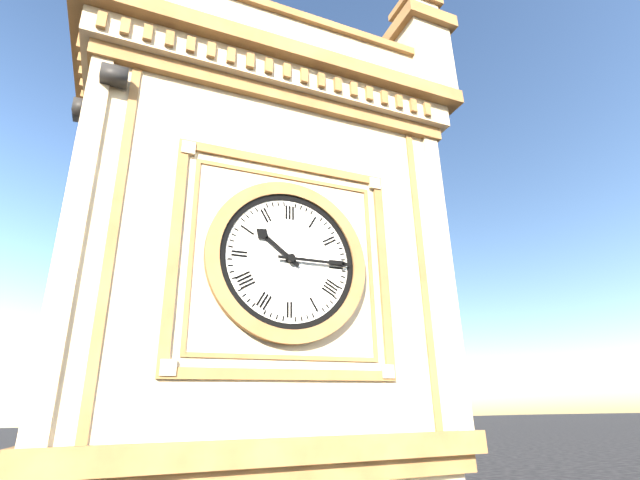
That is 10:15
